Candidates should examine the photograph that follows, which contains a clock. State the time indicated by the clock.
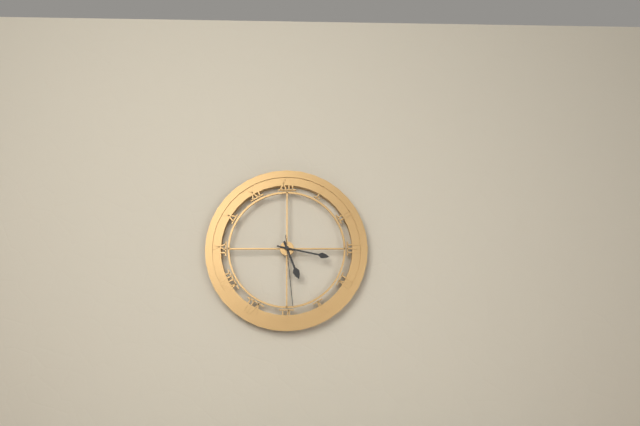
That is 5:17:29
